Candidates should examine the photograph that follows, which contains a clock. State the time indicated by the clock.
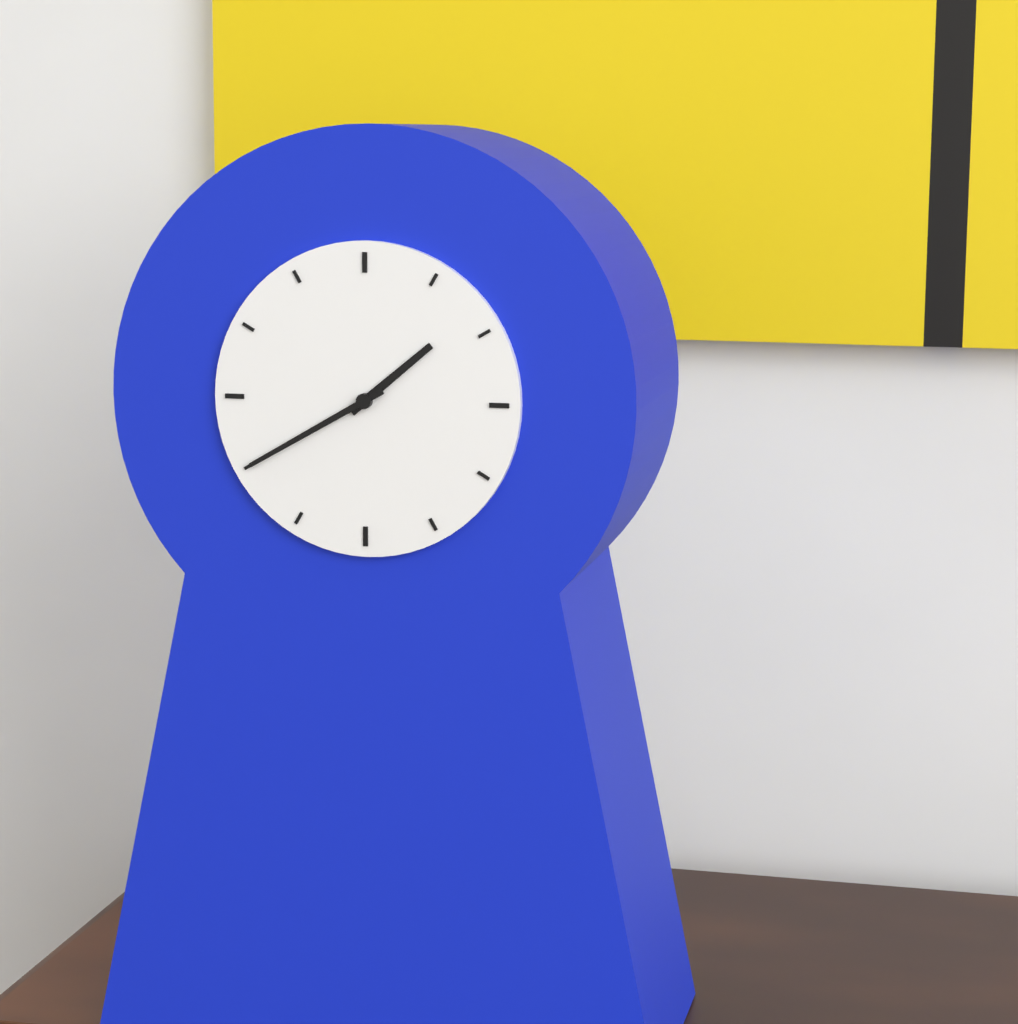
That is 1:40
